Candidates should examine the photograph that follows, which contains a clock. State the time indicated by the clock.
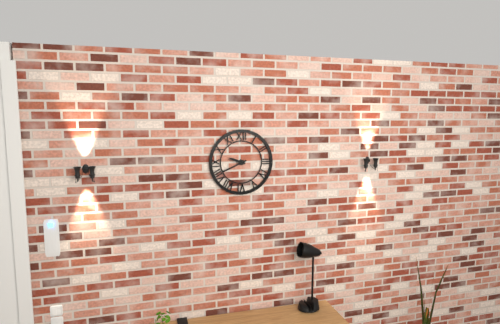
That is 9:41
